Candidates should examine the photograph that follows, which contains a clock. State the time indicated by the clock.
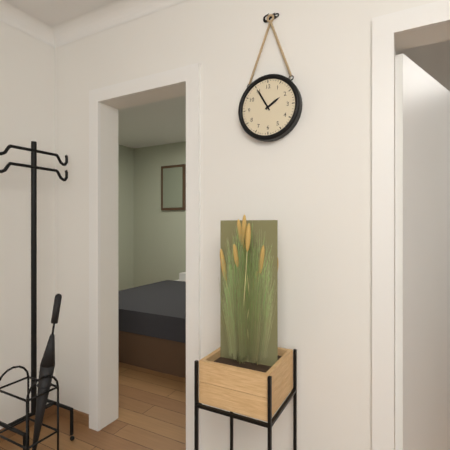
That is 1:55
